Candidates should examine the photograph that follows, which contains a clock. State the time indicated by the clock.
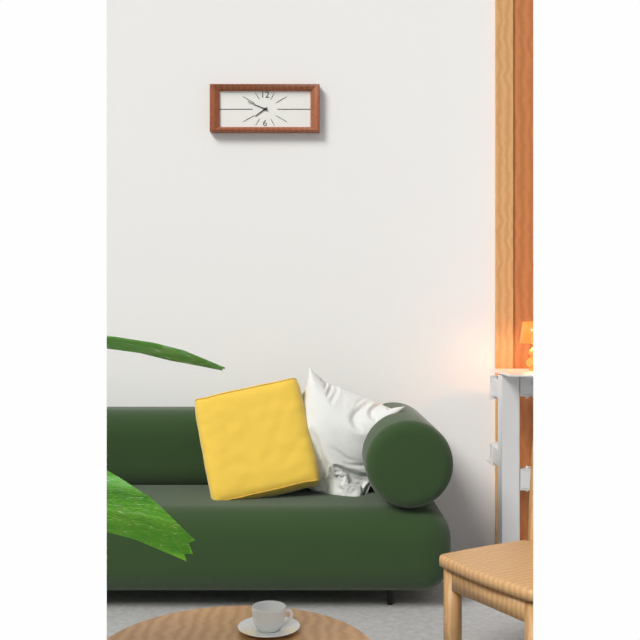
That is 7:49
